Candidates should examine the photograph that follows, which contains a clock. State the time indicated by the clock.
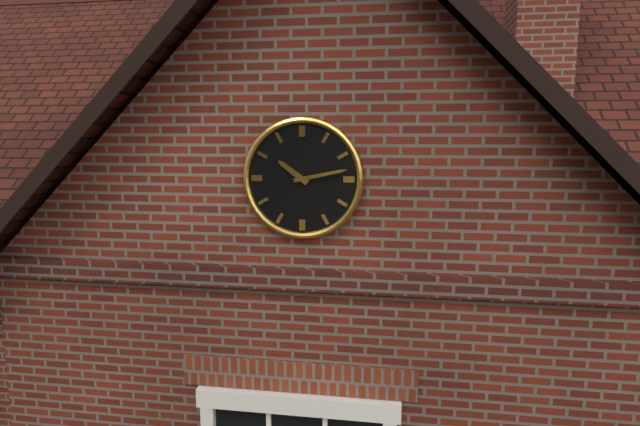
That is 10:13
